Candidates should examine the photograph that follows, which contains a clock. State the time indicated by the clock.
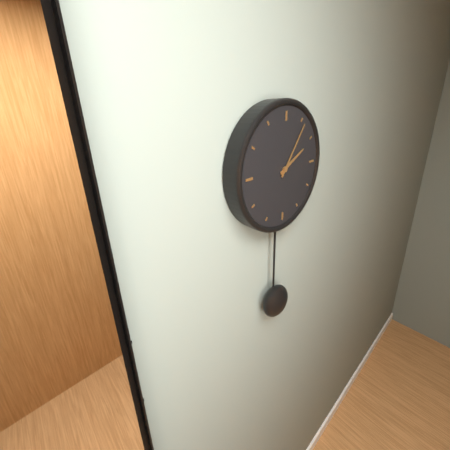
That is 2:06
